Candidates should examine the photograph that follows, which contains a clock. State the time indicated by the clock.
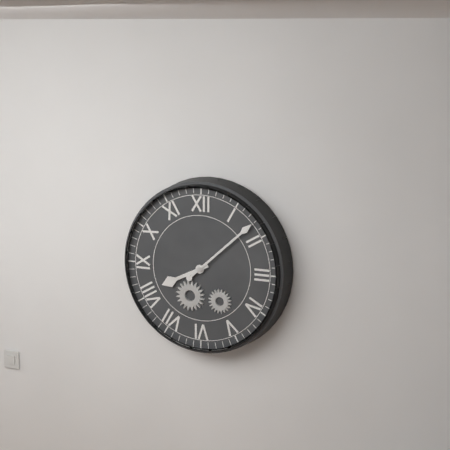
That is 8:08
